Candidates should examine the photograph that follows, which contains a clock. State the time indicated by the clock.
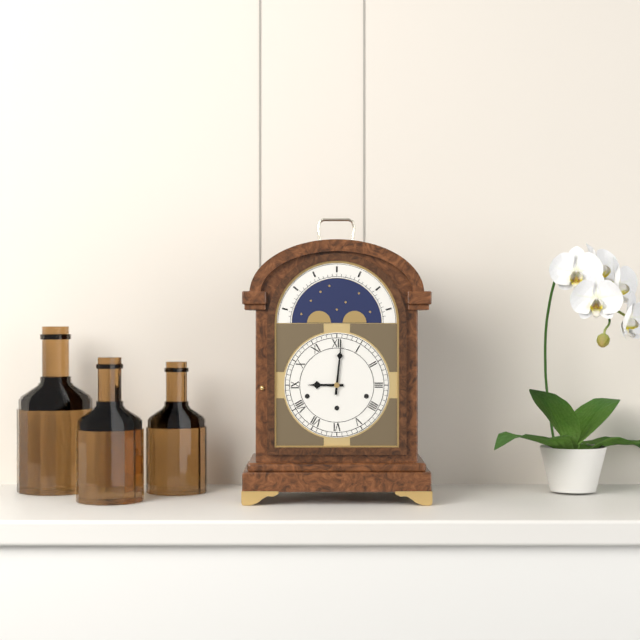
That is 9:01
